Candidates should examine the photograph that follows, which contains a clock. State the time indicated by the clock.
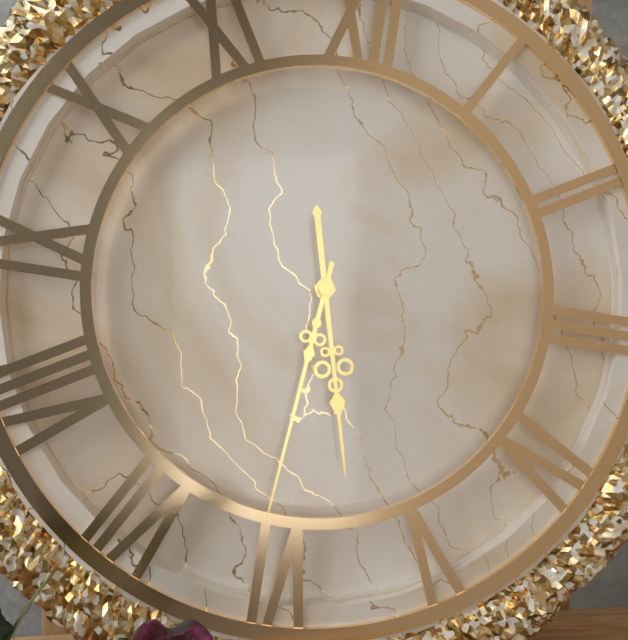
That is 5:31
